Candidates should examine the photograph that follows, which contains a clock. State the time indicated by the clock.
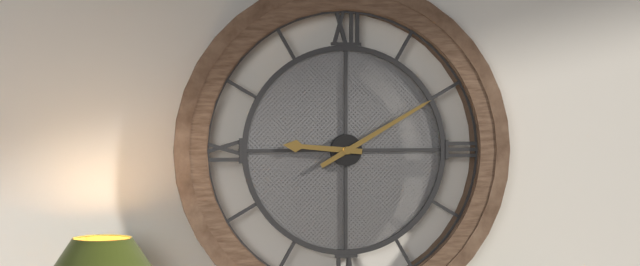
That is 9:10
